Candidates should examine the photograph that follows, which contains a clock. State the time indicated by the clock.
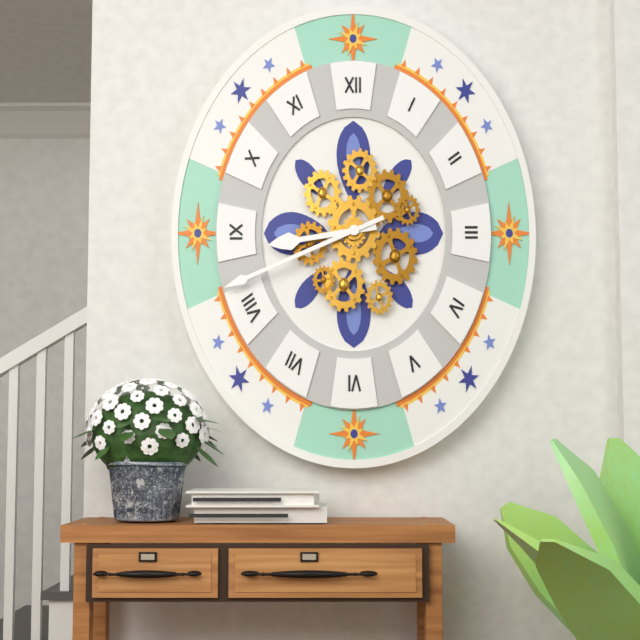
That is 8:41
